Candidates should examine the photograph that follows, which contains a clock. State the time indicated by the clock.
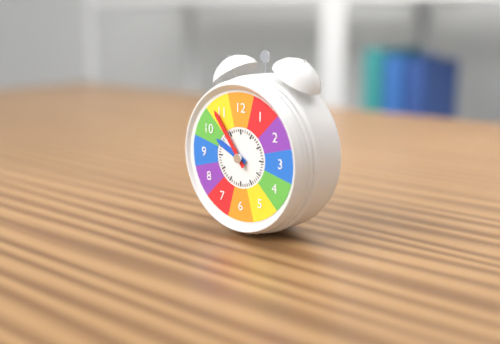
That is 9:54
